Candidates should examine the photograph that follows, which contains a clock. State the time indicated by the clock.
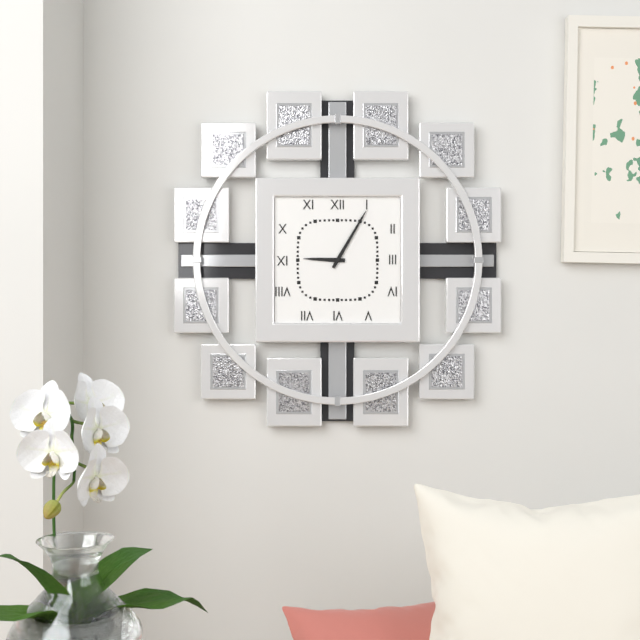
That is 9:05
